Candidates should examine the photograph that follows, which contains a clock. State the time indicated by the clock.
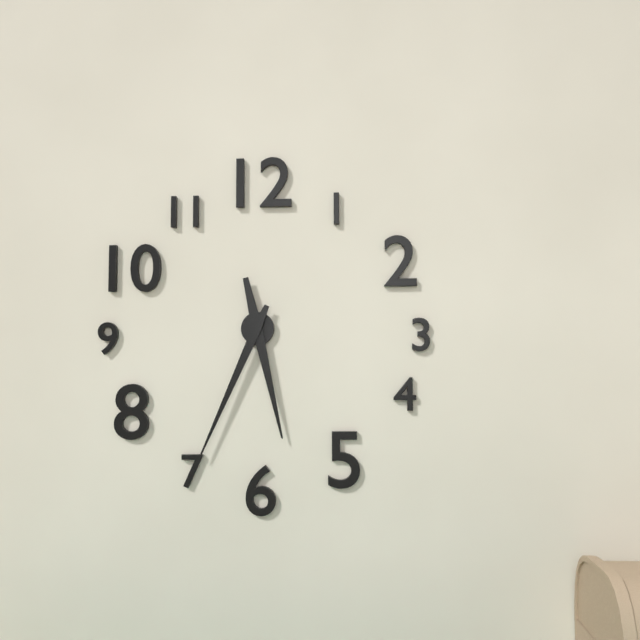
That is 5:34
